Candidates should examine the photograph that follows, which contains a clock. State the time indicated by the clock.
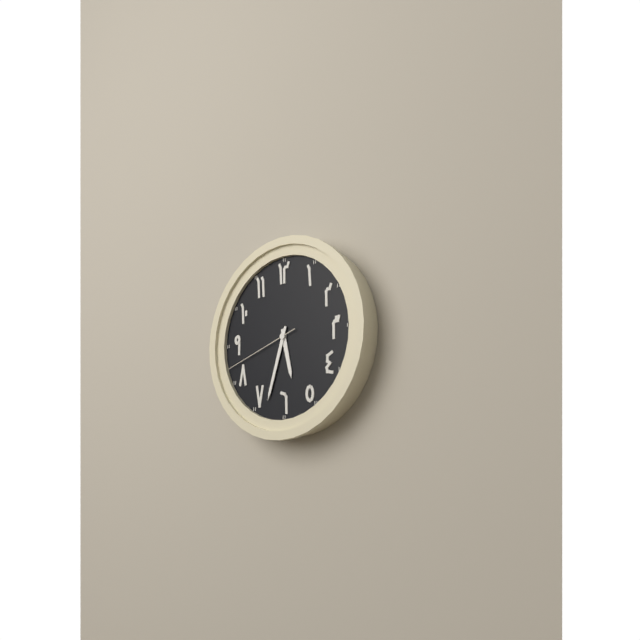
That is 5:33:42
